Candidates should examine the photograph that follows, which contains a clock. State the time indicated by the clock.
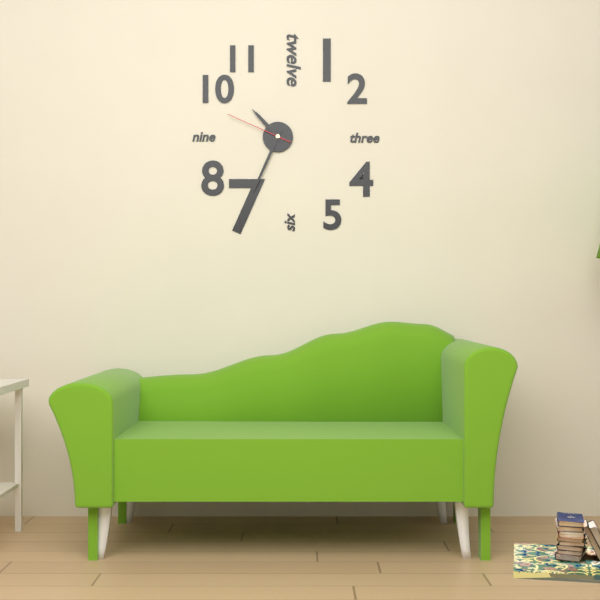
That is 10:34:49
